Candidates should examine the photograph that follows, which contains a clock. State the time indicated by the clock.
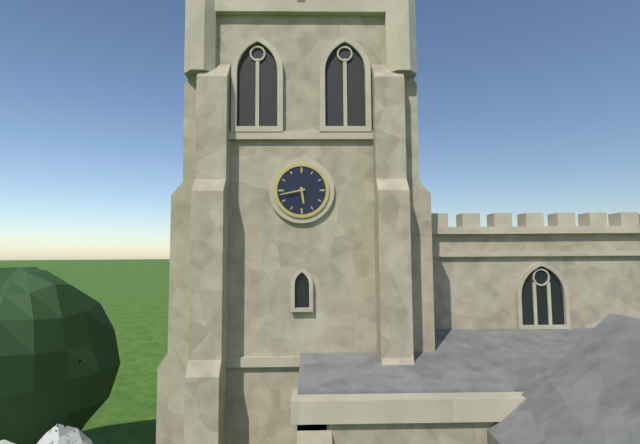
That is 5:43
